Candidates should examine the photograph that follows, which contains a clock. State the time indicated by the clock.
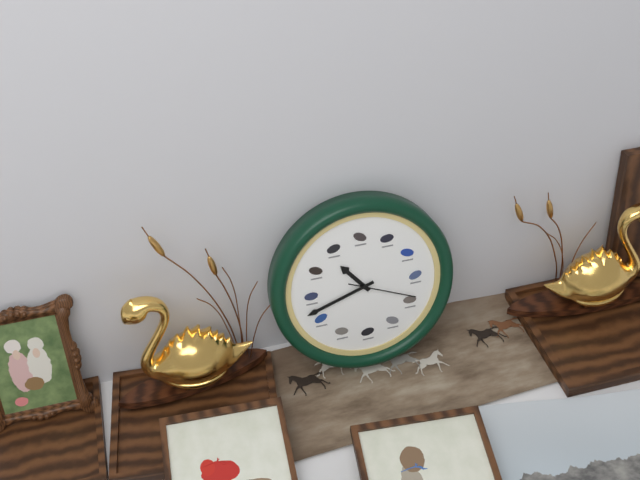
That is 10:42:19
